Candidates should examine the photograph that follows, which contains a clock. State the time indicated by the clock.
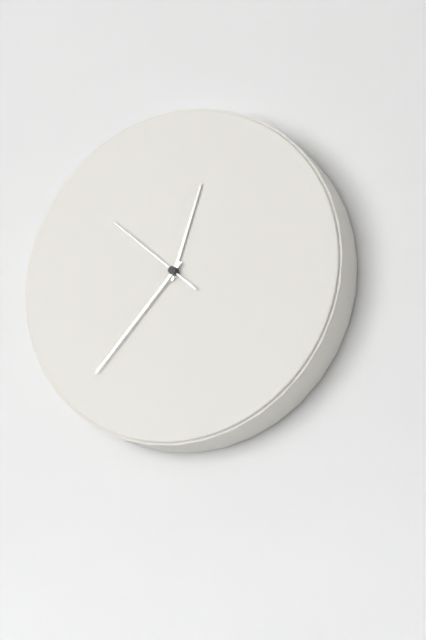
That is 12:37:52
